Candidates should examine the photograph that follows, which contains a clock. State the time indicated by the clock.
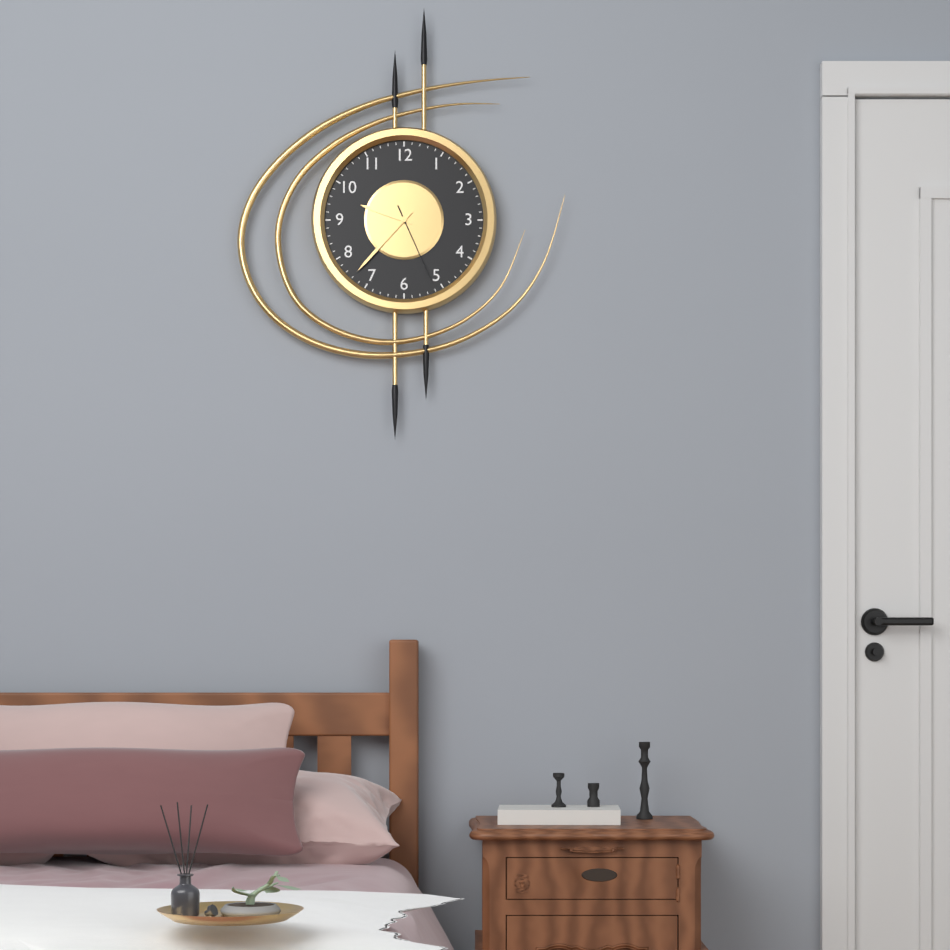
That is 9:37:26
